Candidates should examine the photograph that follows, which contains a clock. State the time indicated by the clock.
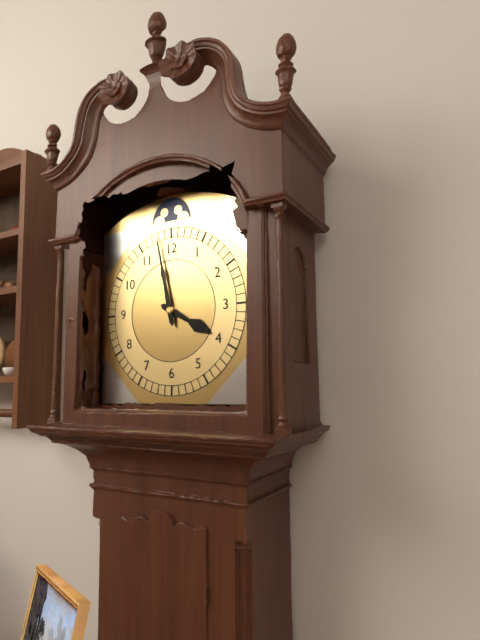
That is 3:58
